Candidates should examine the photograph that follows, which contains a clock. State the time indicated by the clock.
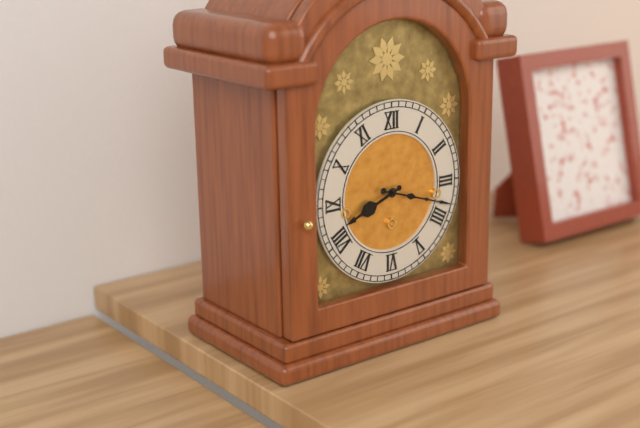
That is 8:18
